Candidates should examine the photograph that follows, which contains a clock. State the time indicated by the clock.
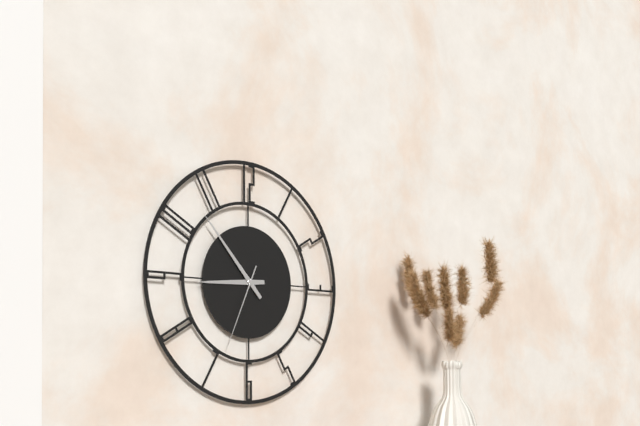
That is 8:53:34
